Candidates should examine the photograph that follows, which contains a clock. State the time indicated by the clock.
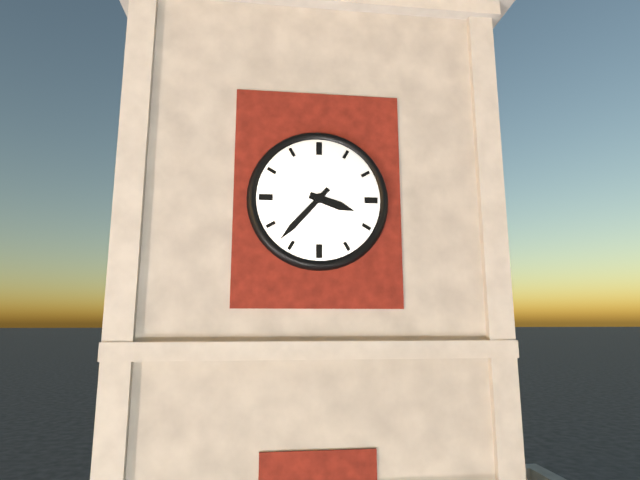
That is 3:37
